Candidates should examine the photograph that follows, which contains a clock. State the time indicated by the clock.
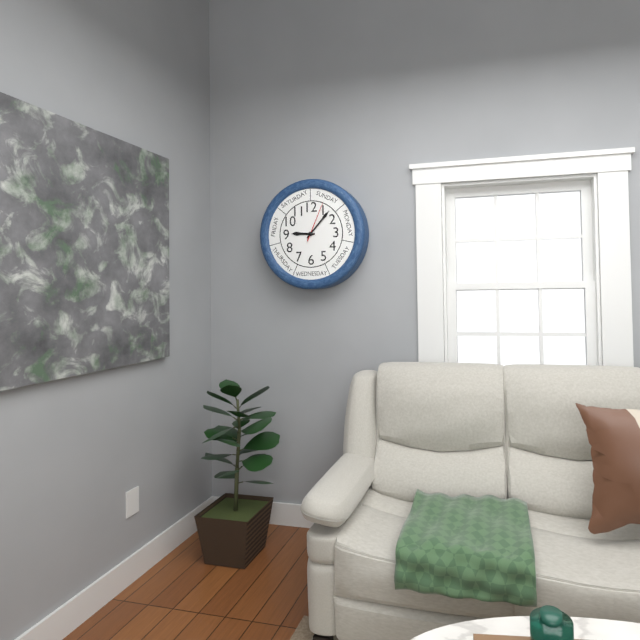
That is 9:07
